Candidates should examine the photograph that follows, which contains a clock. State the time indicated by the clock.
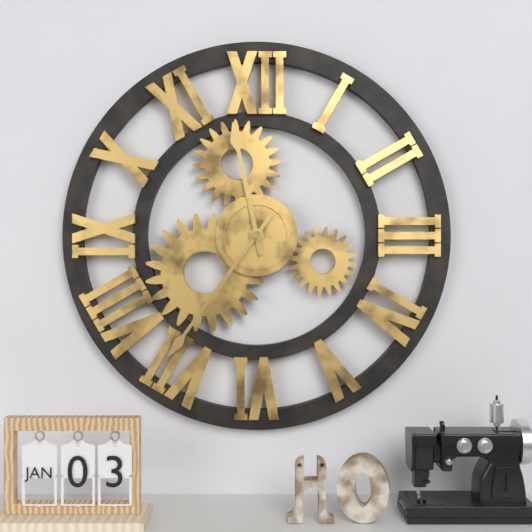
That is 11:36
